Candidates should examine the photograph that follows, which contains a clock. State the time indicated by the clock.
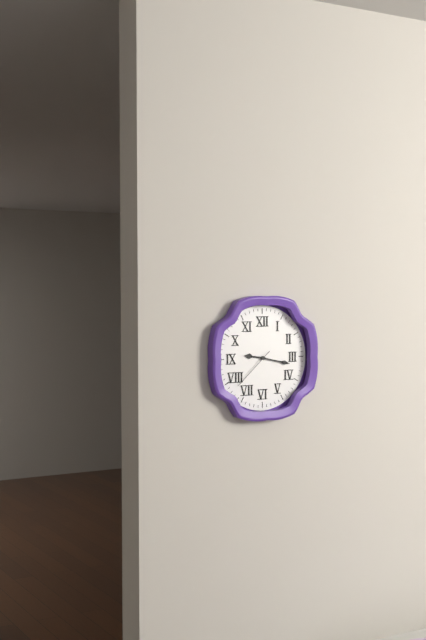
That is 9:17
